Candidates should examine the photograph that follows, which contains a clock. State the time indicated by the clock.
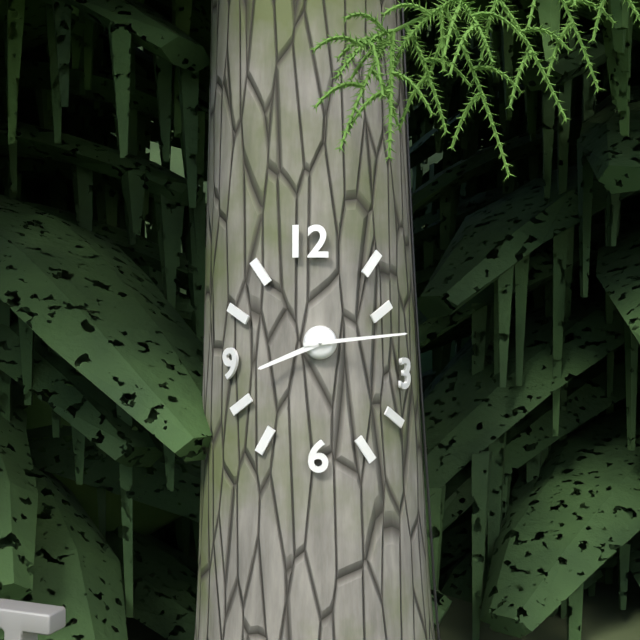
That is 8:14
